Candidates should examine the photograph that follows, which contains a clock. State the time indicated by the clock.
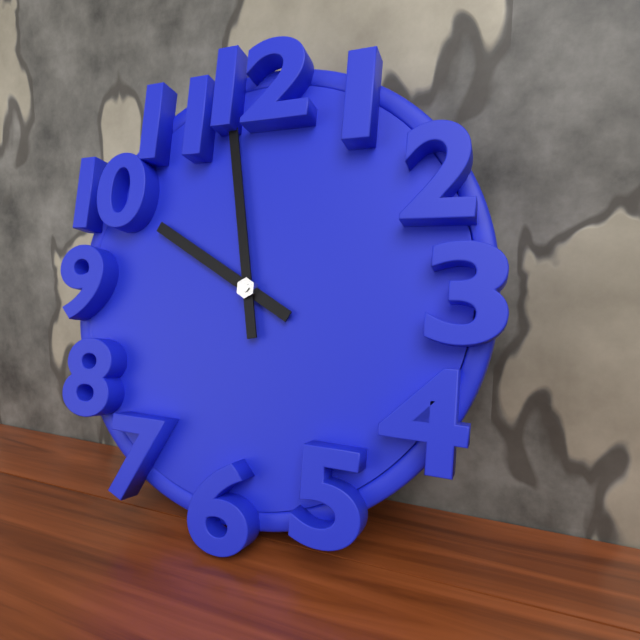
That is 9:58
